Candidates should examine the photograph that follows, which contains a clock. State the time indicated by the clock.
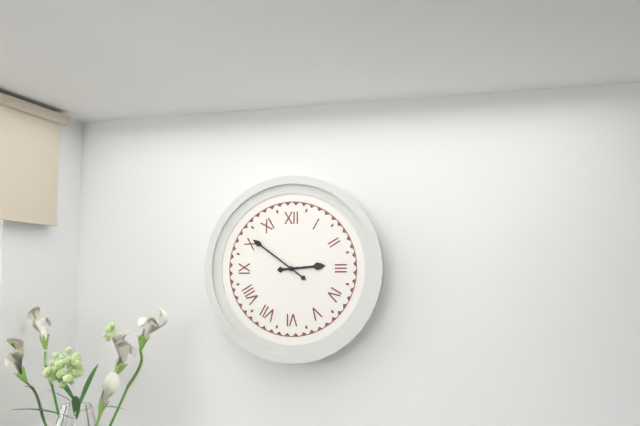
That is 2:51
